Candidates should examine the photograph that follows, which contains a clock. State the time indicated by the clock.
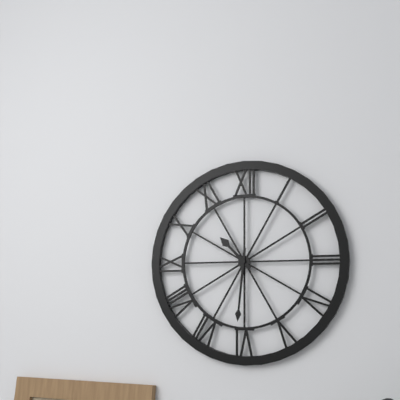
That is 10:31
